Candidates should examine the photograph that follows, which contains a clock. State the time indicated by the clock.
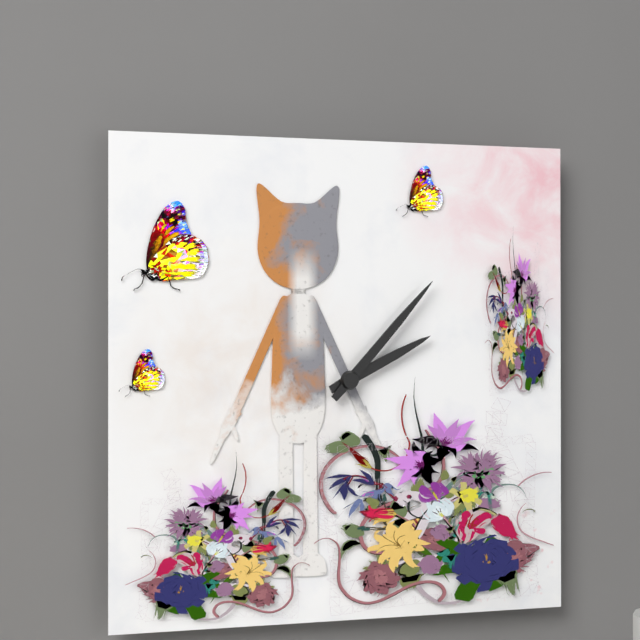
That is 2:07
